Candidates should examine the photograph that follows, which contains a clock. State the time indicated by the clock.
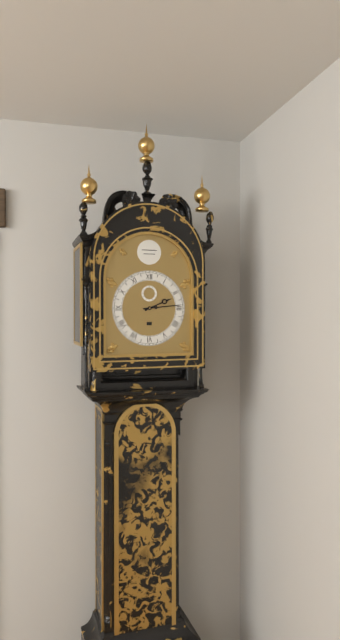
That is 2:14
